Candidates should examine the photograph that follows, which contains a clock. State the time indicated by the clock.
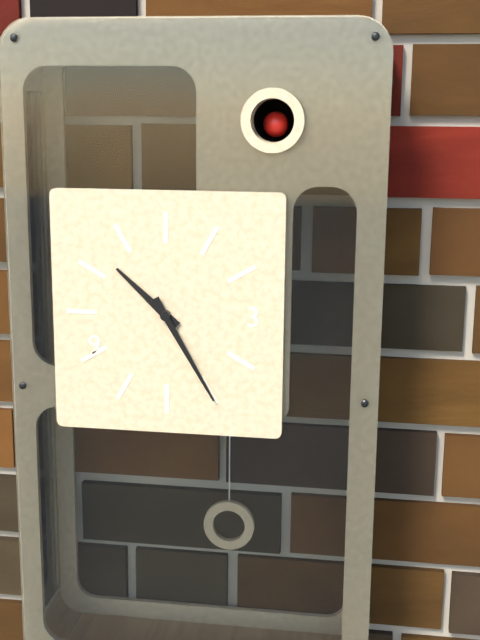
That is 10:25
